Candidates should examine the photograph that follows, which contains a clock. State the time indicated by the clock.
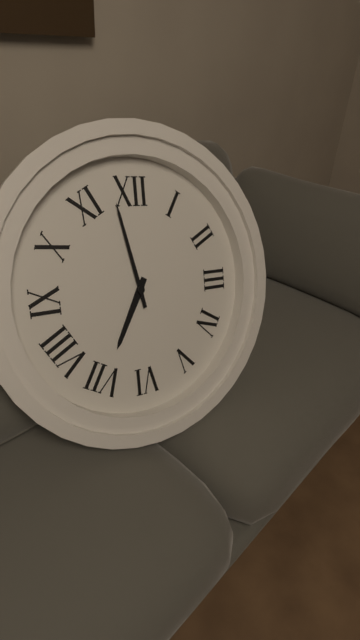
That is 6:58
